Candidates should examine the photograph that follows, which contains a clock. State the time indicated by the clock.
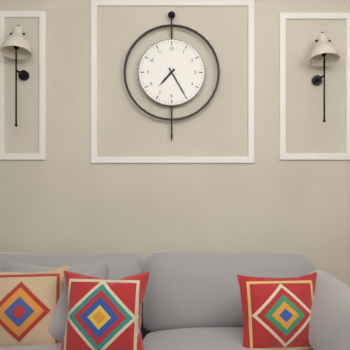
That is 7:25
